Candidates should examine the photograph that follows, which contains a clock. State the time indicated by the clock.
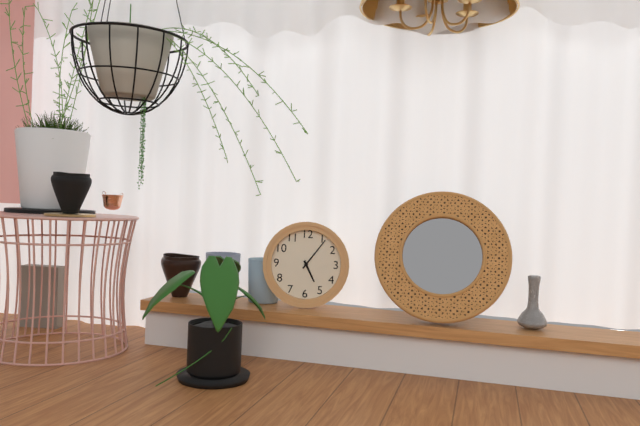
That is 5:06
